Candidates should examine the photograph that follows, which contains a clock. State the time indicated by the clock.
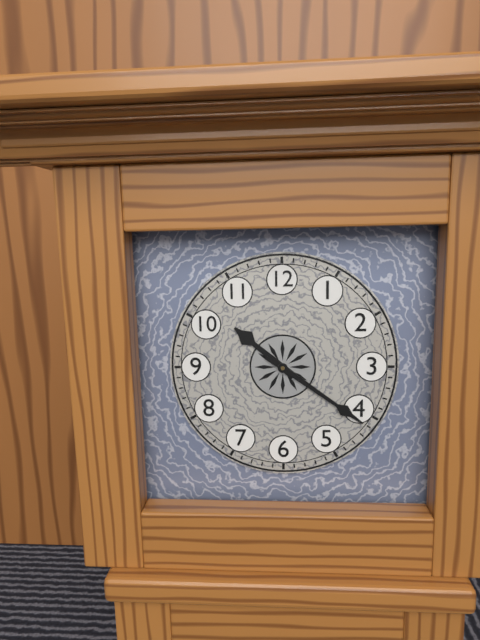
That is 10:21
